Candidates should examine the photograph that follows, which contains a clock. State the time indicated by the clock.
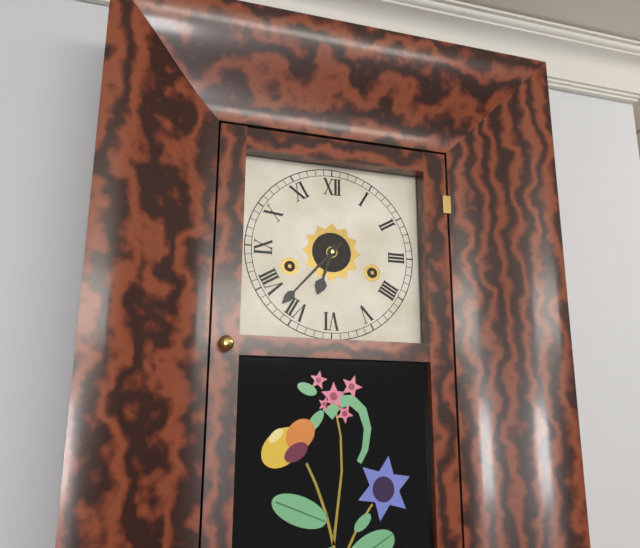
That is 6:37
